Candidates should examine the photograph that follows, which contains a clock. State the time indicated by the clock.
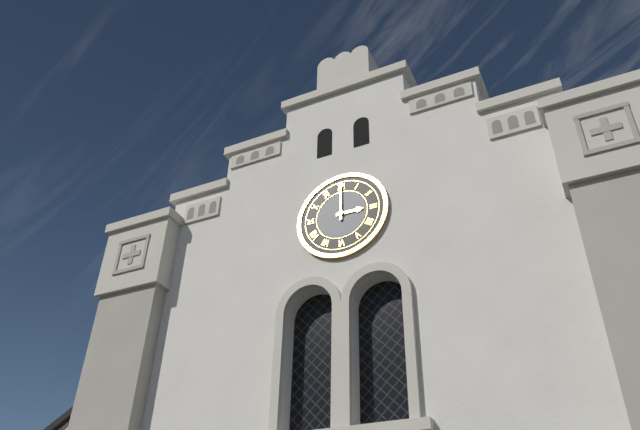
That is 3:00
